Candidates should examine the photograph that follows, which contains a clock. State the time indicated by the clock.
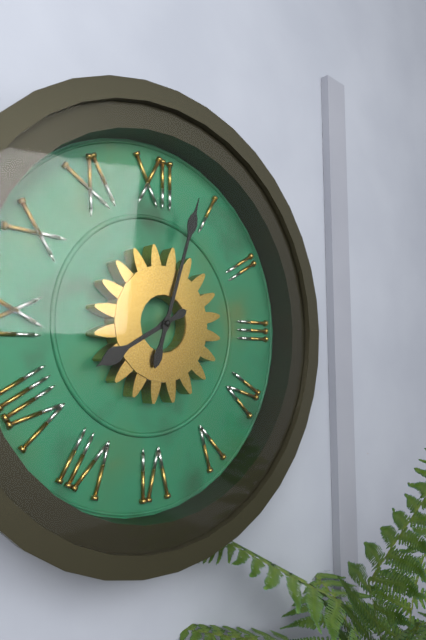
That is 8:03
